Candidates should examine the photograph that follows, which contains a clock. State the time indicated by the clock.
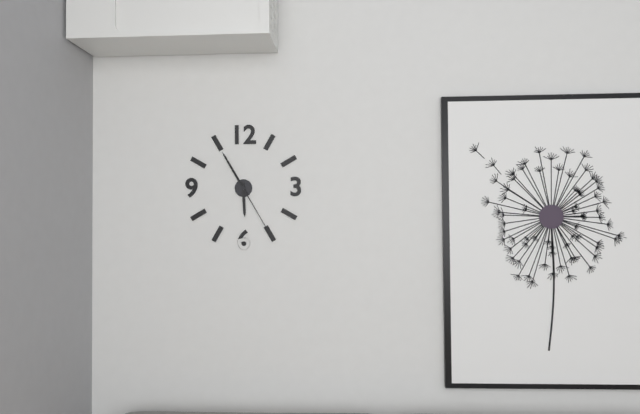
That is 5:55:25
